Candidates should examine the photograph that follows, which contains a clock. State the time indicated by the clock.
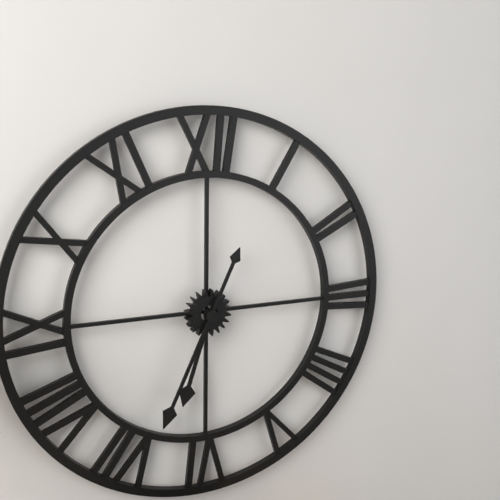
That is 6:34
